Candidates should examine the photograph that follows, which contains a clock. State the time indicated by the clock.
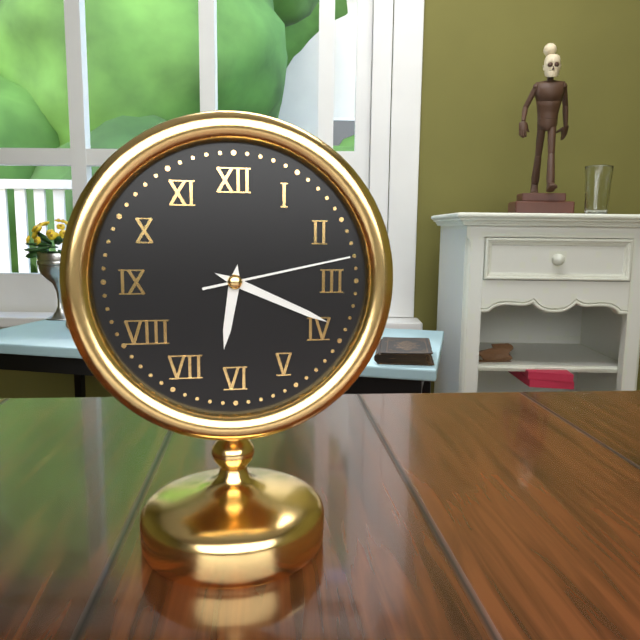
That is 6:19:13
